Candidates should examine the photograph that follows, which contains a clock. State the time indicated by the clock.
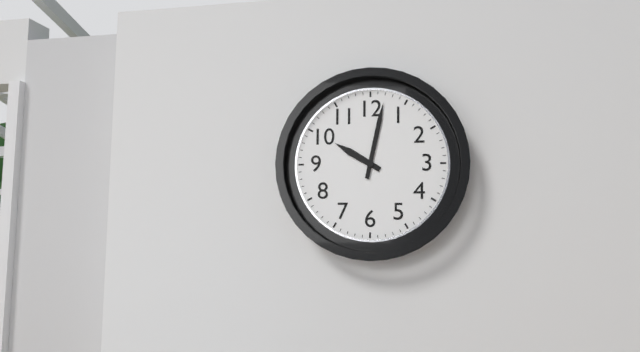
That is 10:02
